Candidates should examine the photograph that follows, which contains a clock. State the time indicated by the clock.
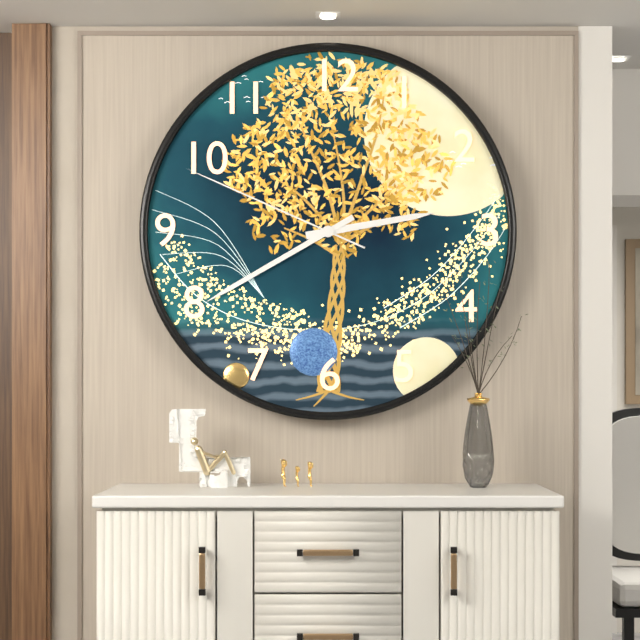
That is 2:40:49
